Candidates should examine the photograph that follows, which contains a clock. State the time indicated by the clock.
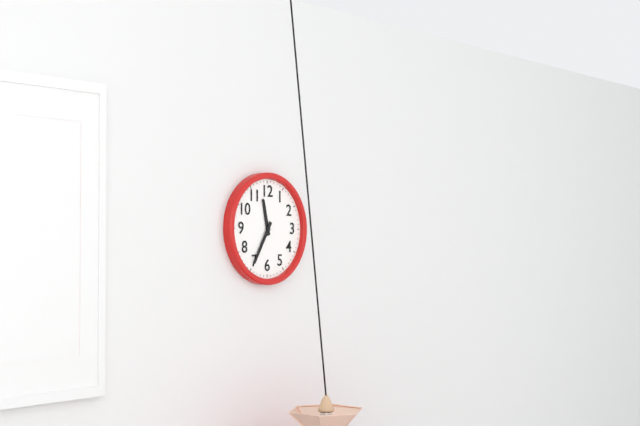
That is 11:35
